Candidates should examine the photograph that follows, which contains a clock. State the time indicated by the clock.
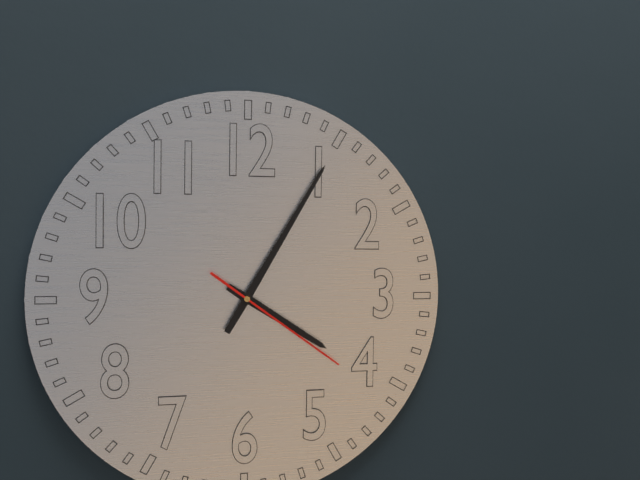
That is 4:05:21
